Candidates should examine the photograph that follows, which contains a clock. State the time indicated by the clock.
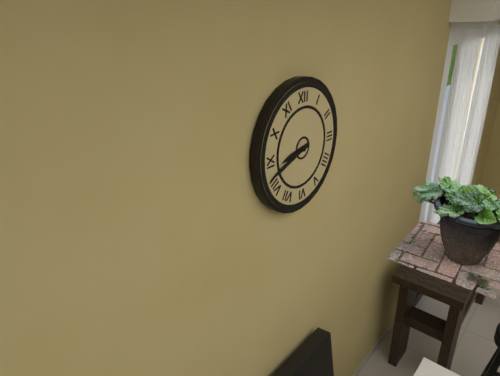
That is 8:42
